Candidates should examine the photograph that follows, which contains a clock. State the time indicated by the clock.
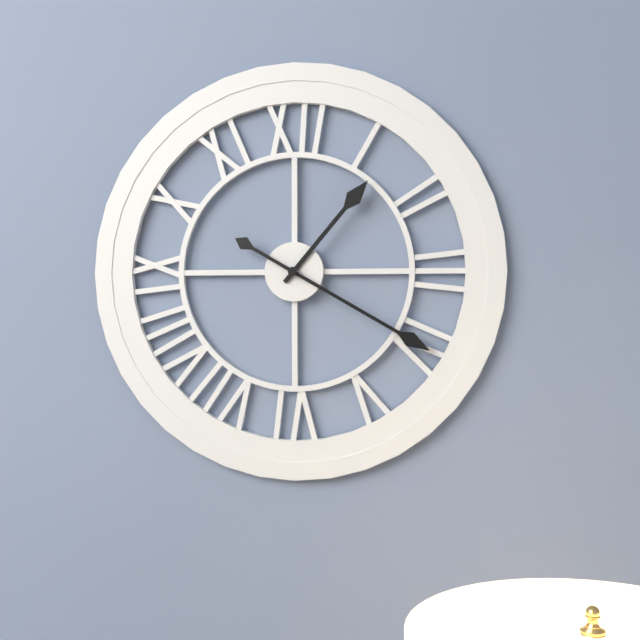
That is 1:20
